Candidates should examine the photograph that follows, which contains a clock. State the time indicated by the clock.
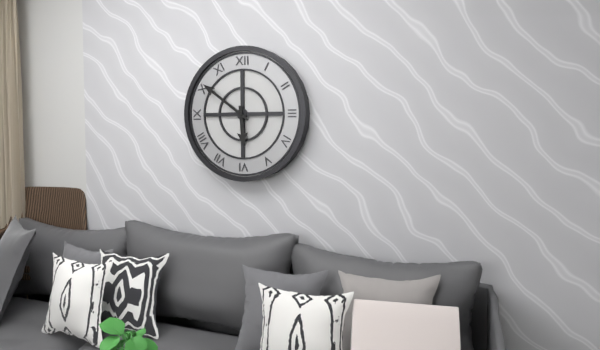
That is 5:51
